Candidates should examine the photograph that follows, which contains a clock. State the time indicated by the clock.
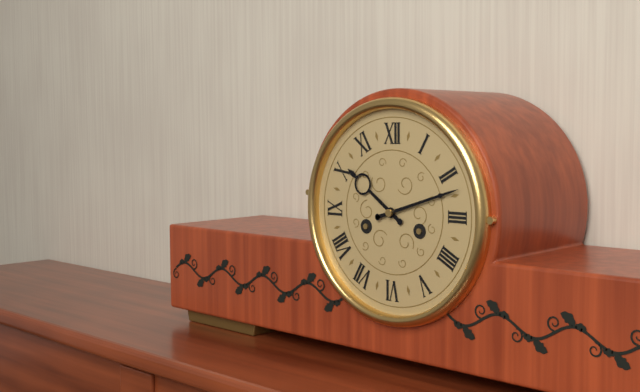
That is 10:12
